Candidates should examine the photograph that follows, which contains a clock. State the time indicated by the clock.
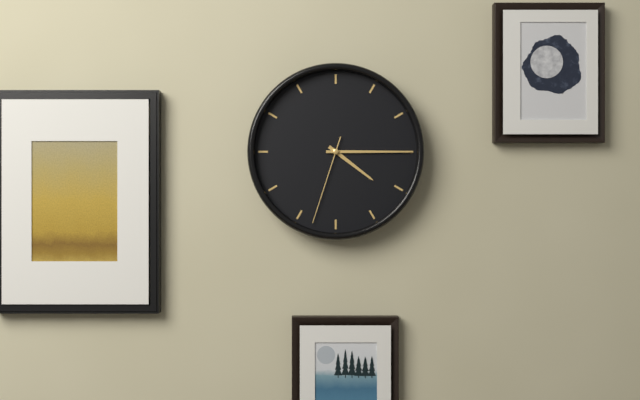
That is 4:15:33
